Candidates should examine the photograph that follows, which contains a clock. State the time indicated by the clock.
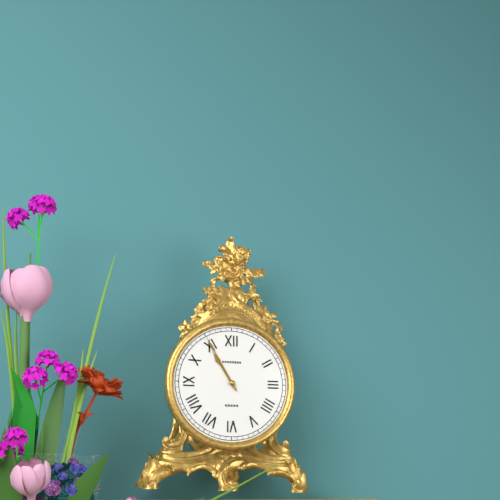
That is 10:55
